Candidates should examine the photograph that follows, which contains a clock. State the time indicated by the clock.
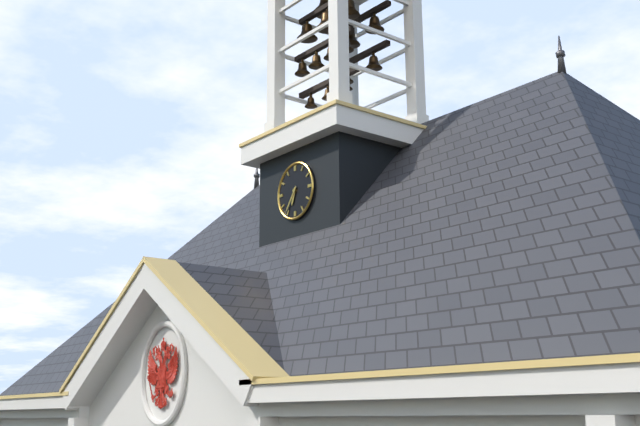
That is 6:36
